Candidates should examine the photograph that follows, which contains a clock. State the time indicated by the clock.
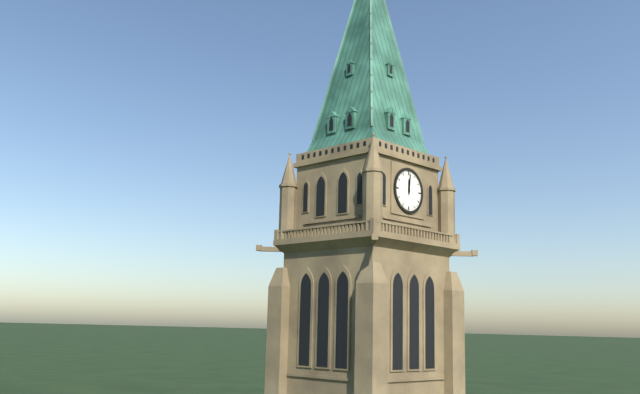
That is 12:01
